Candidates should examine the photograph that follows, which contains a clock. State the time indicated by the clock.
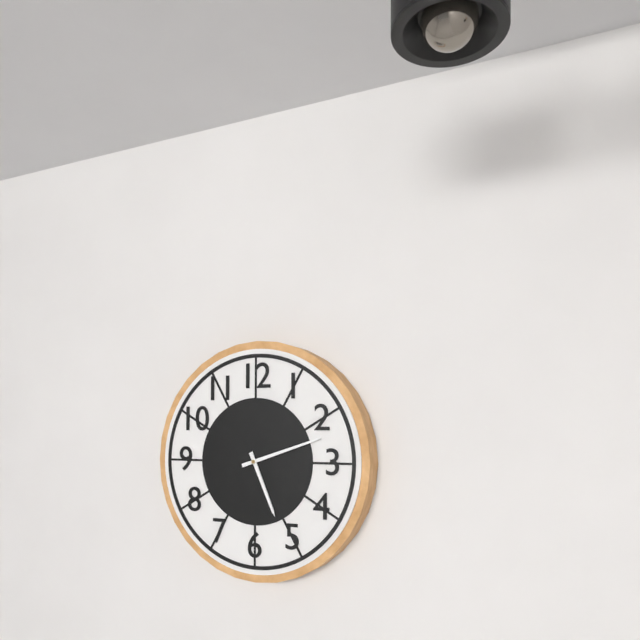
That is 5:12
